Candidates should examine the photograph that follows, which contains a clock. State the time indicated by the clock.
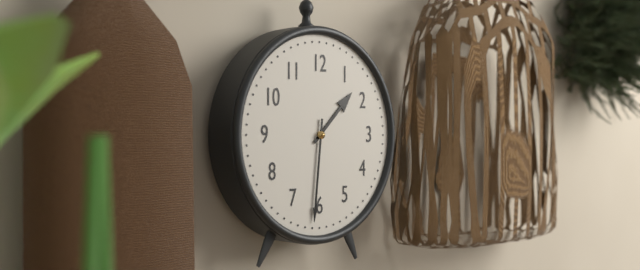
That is 1:31
